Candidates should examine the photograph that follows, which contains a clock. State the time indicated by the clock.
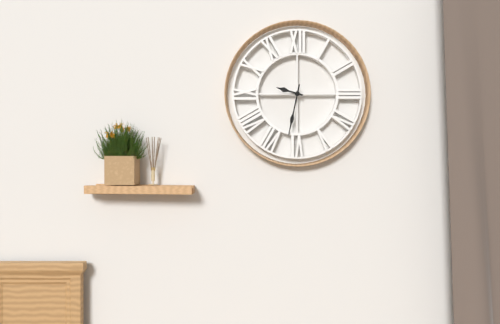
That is 9:32
